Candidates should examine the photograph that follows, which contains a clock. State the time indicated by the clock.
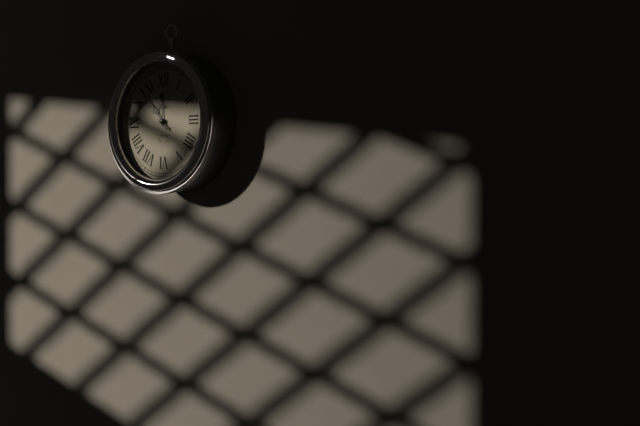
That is 11:53
